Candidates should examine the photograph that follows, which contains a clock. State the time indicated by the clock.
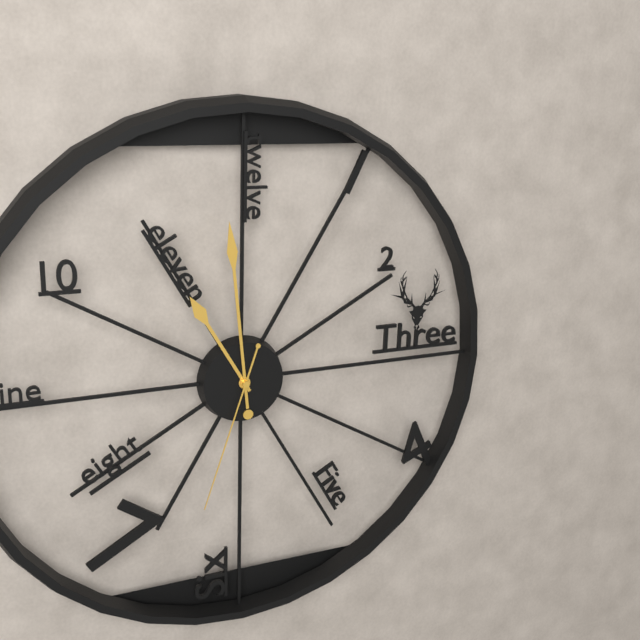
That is 10:59:33
